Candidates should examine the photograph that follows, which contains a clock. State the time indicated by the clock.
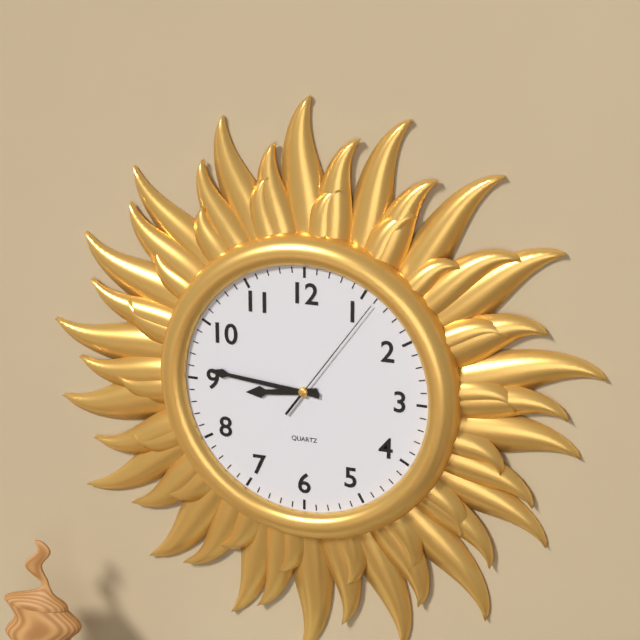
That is 8:46:06
